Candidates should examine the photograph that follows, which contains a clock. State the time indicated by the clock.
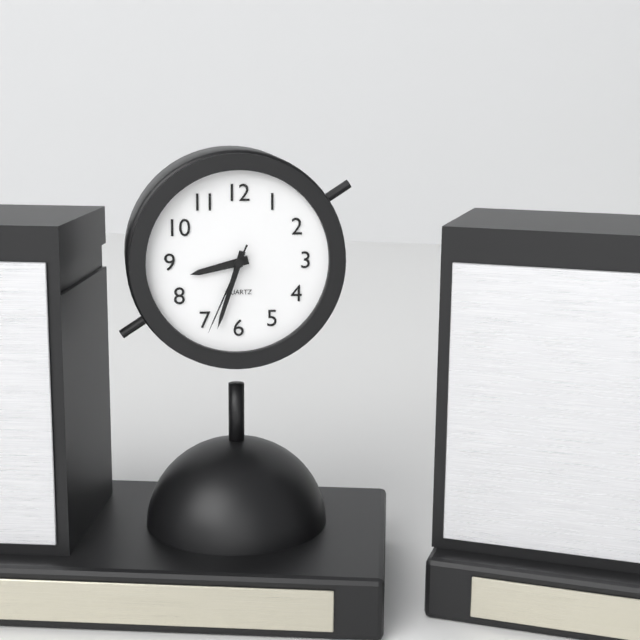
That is 8:33:34
